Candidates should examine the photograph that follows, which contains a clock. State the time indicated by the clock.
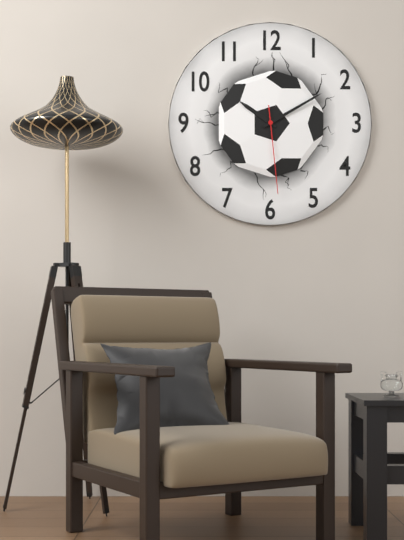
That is 10:10:29
